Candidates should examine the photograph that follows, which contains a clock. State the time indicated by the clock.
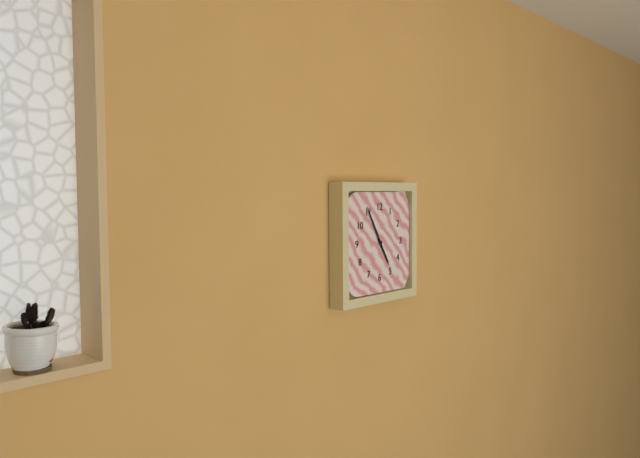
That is 4:55
